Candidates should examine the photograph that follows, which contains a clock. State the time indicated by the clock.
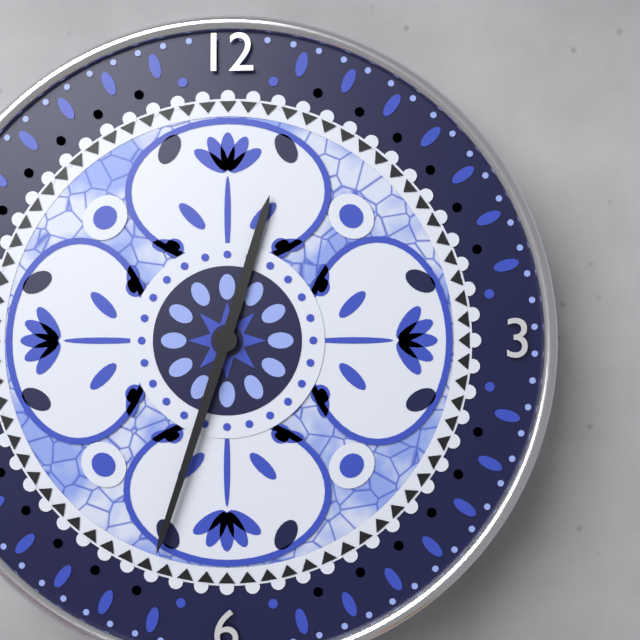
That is 12:33
